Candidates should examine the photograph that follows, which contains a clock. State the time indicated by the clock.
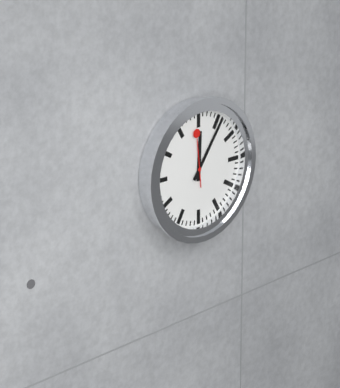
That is 12:06
